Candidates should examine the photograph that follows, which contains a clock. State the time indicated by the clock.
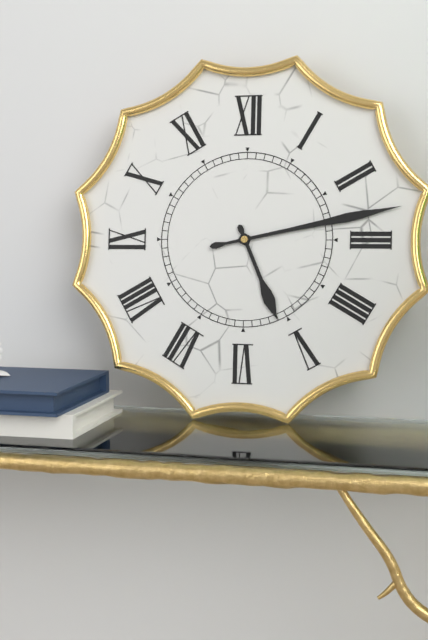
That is 5:13
